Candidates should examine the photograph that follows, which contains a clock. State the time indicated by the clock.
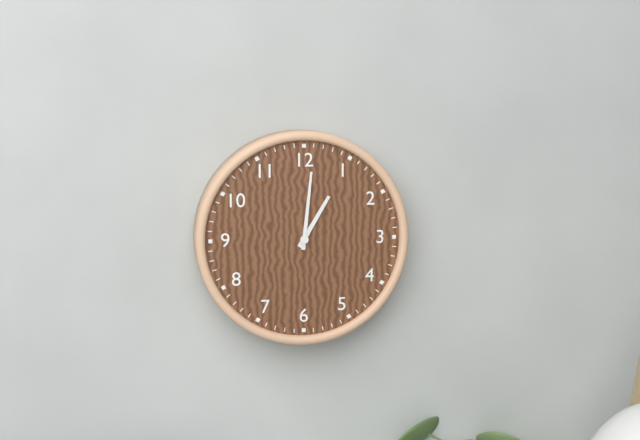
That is 1:01
